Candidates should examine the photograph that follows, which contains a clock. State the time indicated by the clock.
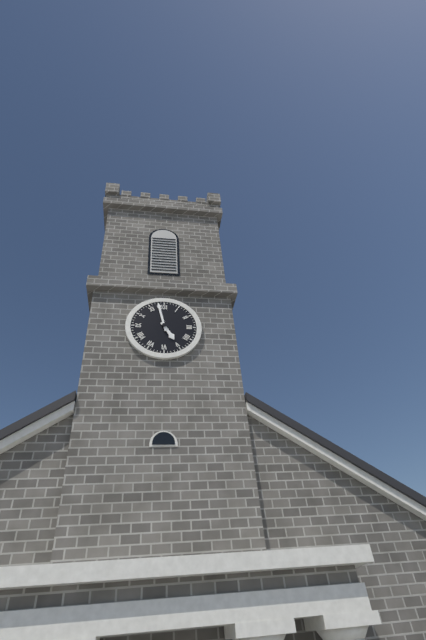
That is 4:58
